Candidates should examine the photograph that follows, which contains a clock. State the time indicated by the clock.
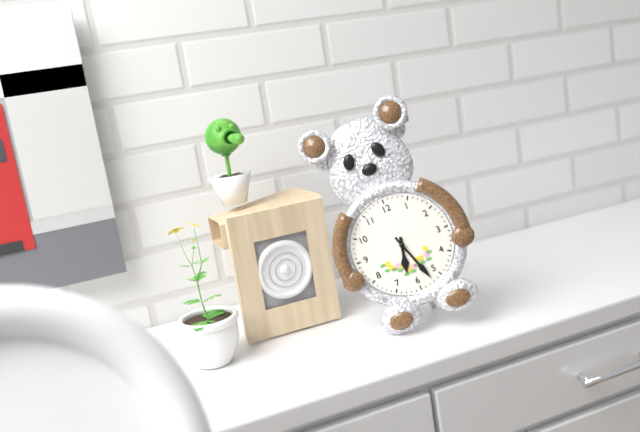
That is 6:27
